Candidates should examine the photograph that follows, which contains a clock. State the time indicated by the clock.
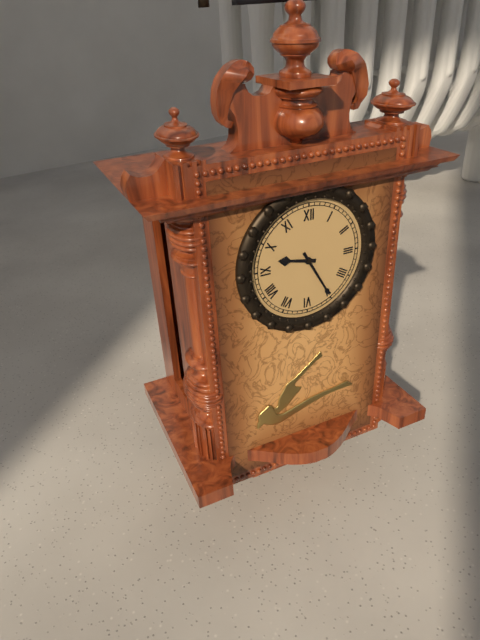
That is 9:25
